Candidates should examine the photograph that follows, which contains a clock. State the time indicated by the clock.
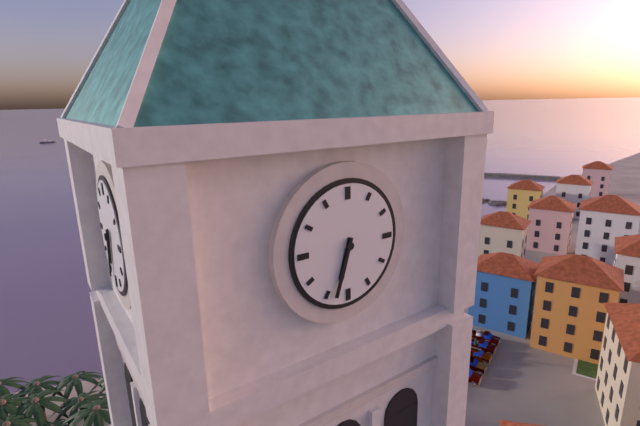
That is 6:33
